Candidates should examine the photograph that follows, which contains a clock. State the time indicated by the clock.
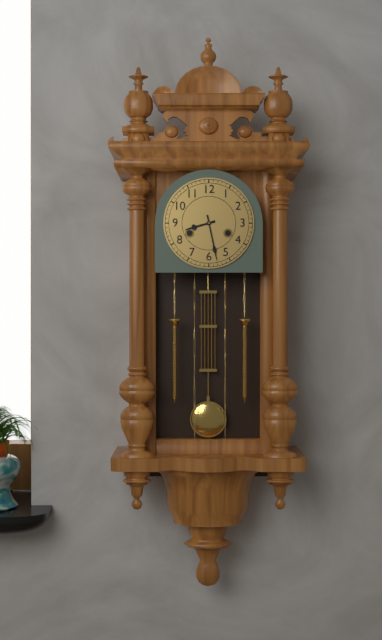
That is 8:28
